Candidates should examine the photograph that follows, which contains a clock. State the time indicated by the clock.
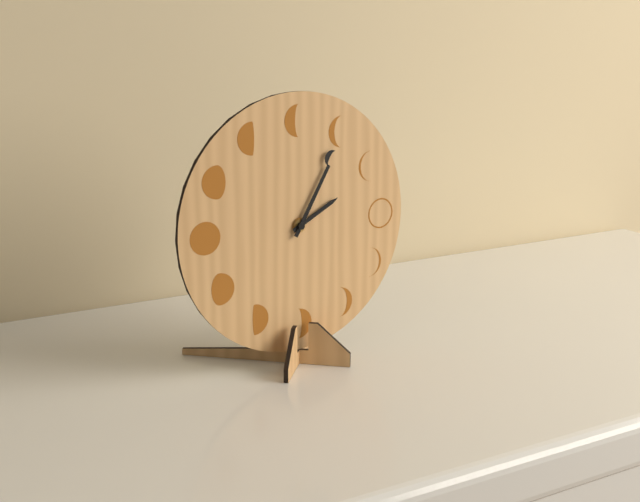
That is 2:05
